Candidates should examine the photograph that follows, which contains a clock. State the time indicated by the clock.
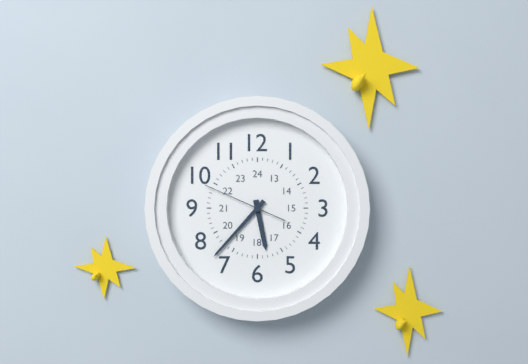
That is 5:37:49
